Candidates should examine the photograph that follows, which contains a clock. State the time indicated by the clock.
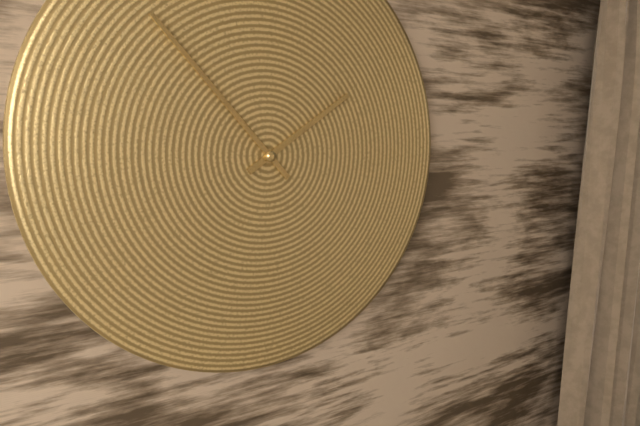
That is 1:53
